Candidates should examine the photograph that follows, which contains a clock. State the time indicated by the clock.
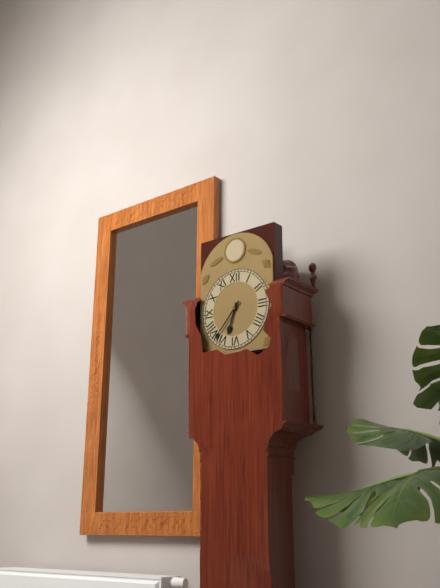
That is 6:37
